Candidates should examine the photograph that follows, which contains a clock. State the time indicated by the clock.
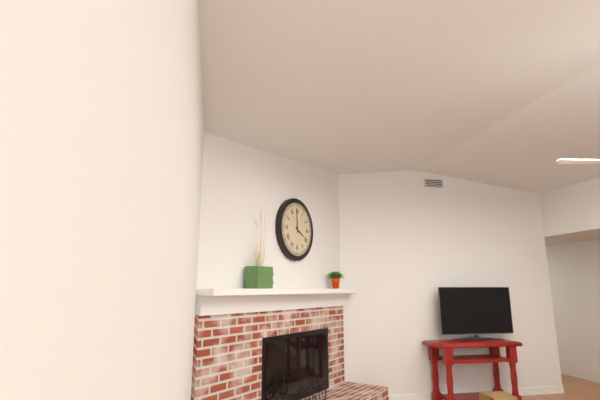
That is 3:59
